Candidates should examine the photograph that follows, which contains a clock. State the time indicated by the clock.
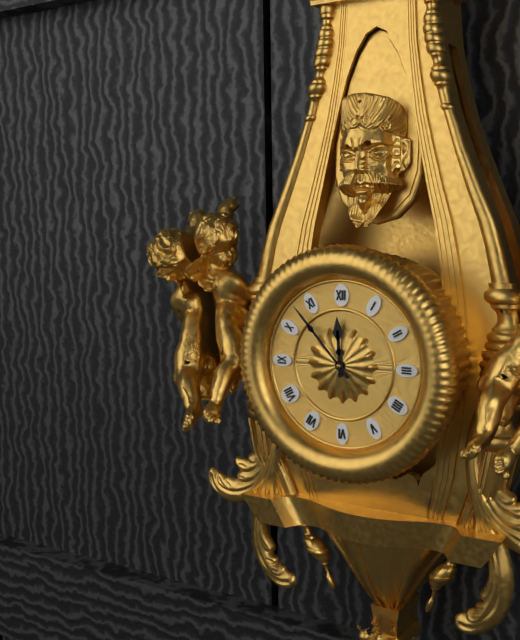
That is 11:53
